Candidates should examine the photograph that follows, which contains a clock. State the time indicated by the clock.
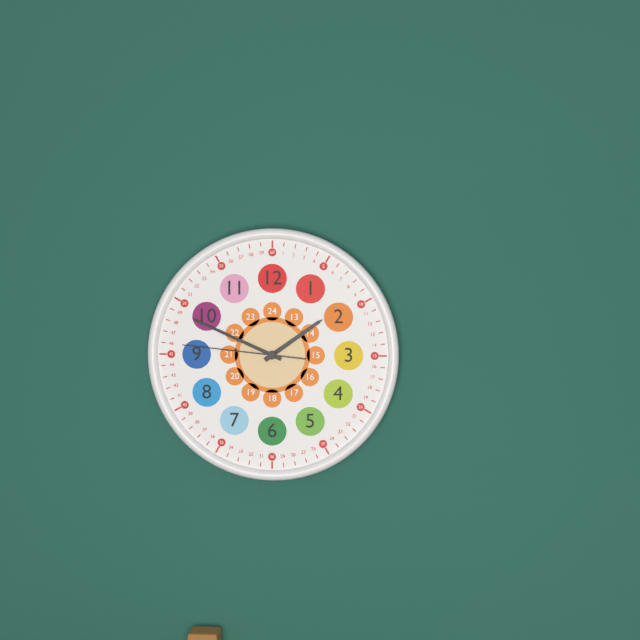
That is 1:49:46
